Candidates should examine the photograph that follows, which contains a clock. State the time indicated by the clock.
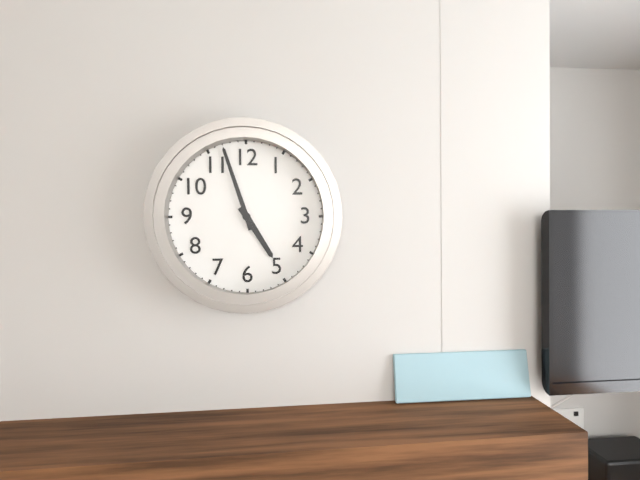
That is 4:57
